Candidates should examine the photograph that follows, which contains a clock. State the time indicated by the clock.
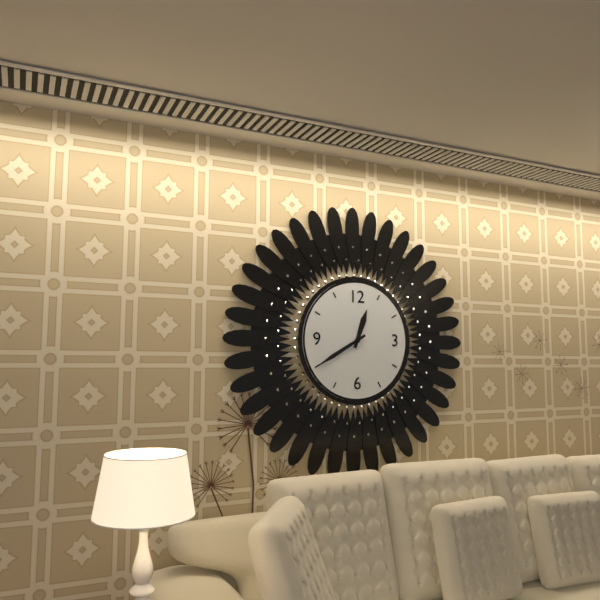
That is 12:40
